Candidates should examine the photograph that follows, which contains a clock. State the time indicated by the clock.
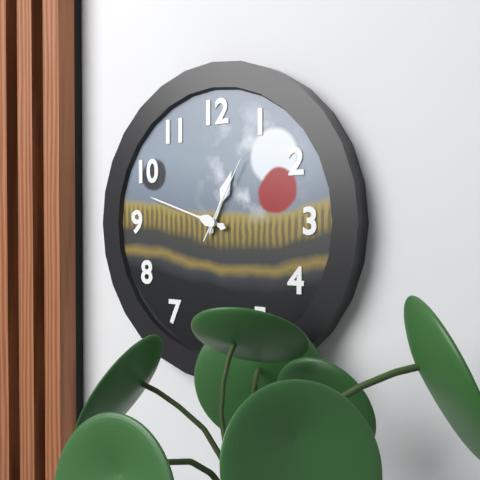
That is 12:48:05
